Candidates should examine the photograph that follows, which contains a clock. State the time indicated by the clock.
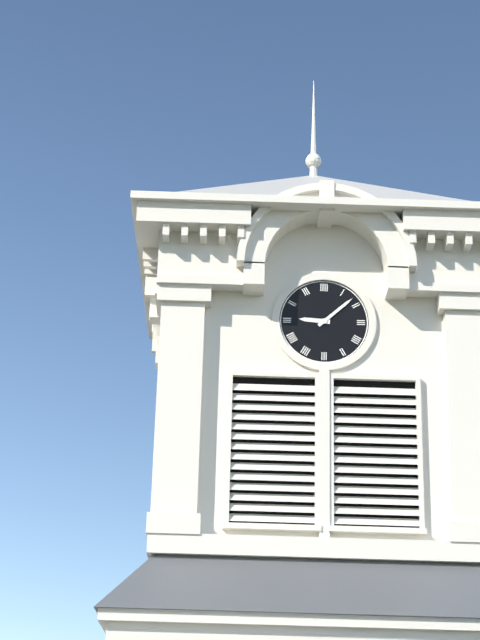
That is 9:08
